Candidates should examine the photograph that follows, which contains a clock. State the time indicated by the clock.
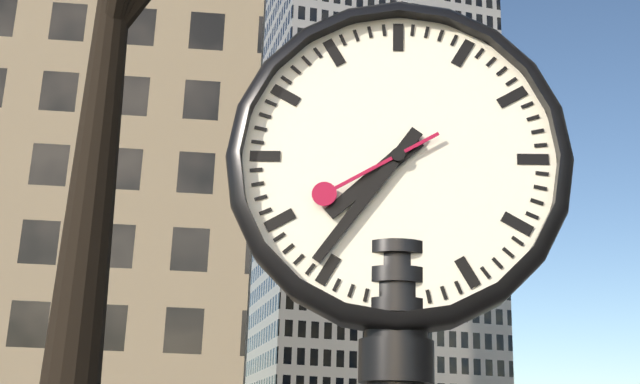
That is 7:36:40
